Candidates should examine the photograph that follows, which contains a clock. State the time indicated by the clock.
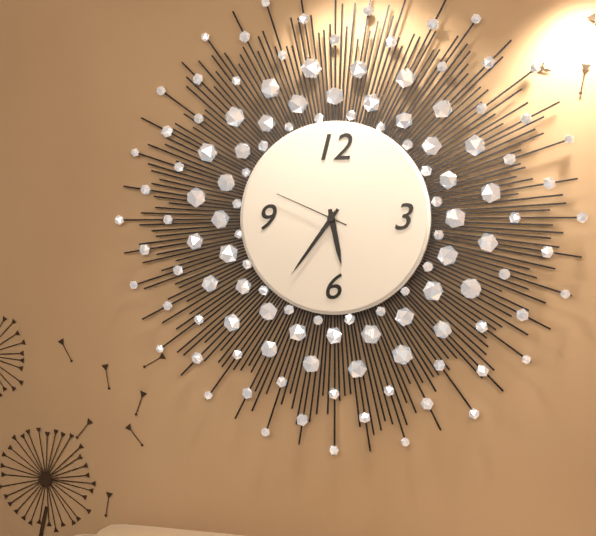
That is 5:36:49
